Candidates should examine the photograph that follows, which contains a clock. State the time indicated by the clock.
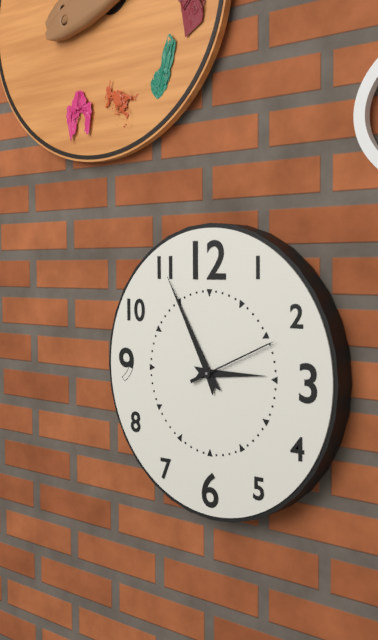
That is 2:55:11
